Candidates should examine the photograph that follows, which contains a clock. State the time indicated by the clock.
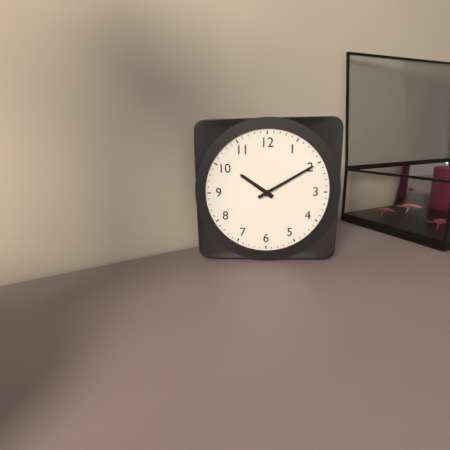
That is 10:10
